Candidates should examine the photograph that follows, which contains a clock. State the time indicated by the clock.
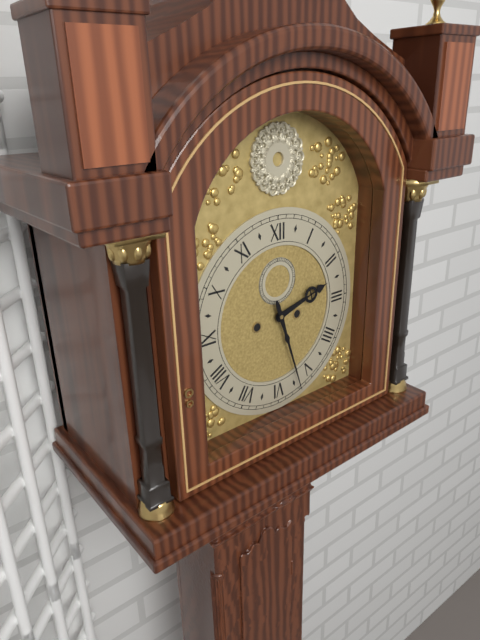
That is 2:27
